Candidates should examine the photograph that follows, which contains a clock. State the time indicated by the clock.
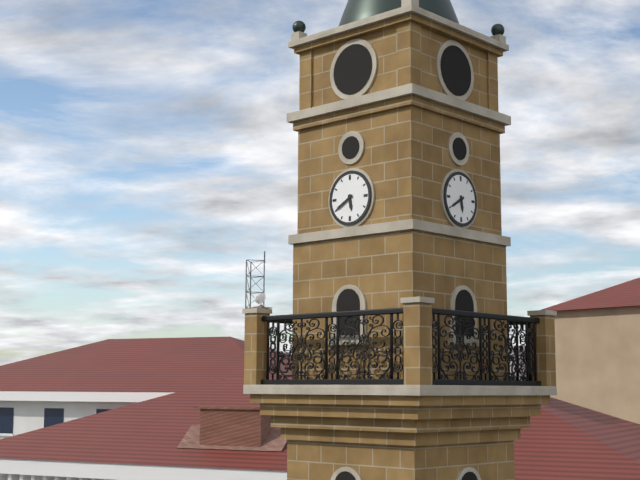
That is 5:40
